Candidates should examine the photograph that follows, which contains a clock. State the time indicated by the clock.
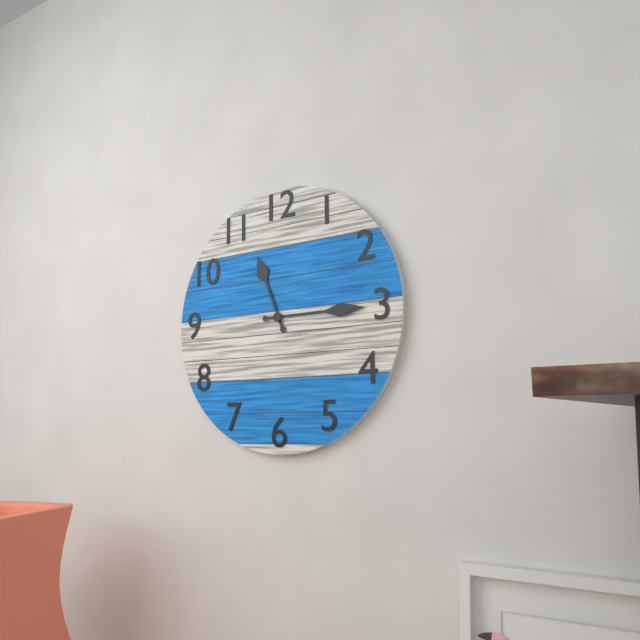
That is 11:15
